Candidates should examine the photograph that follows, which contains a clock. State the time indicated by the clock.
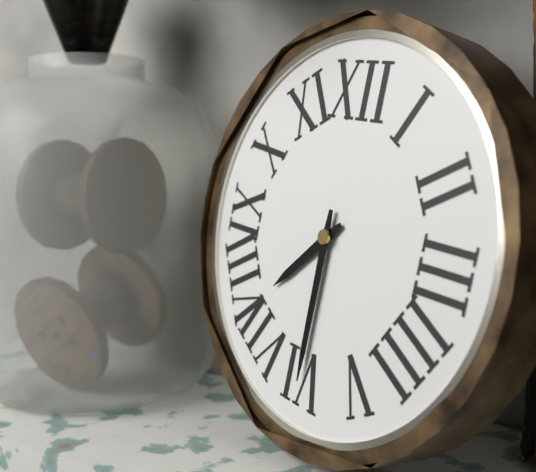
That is 7:30
